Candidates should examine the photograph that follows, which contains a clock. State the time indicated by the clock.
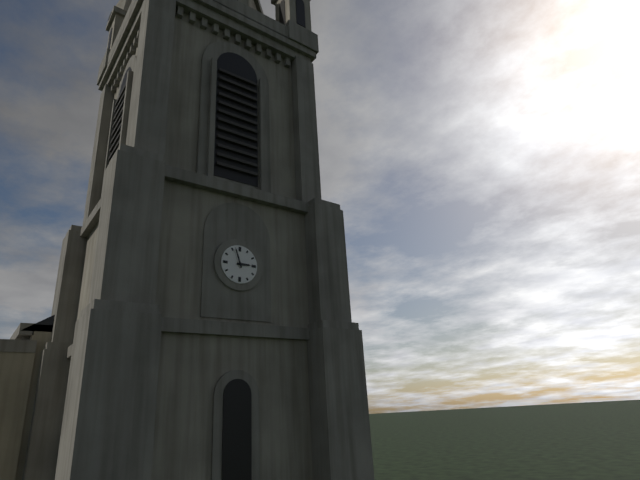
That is 2:57
